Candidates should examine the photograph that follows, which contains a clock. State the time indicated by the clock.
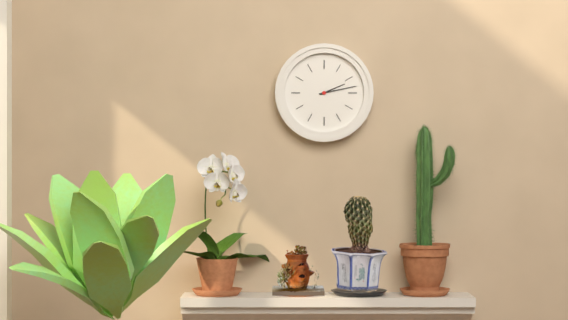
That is 2:13
